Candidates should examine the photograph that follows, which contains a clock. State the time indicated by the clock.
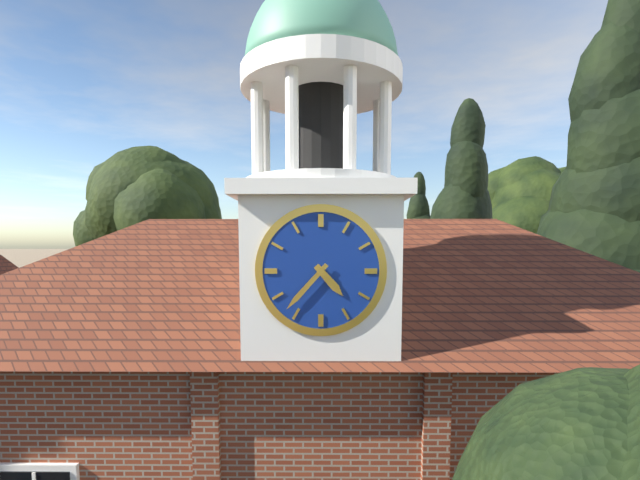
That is 4:37
